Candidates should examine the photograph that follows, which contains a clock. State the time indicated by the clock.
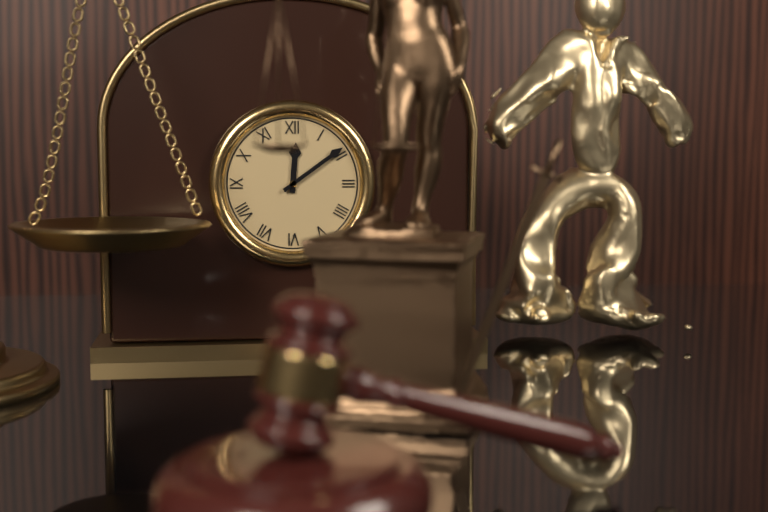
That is 12:09
